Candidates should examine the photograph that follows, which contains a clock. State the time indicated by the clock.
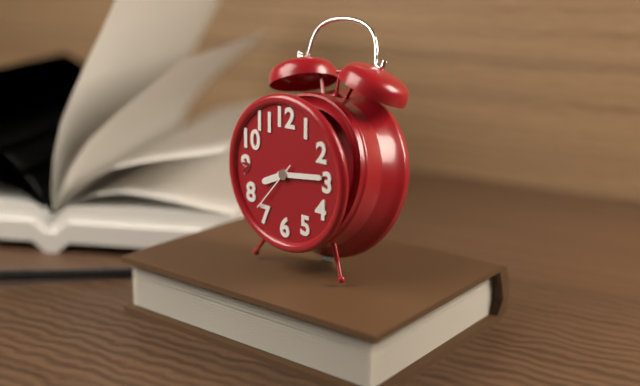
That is 8:14:37
